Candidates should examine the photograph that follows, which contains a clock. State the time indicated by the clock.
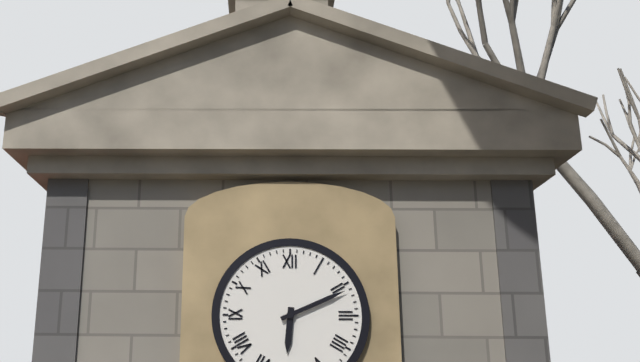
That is 6:11
